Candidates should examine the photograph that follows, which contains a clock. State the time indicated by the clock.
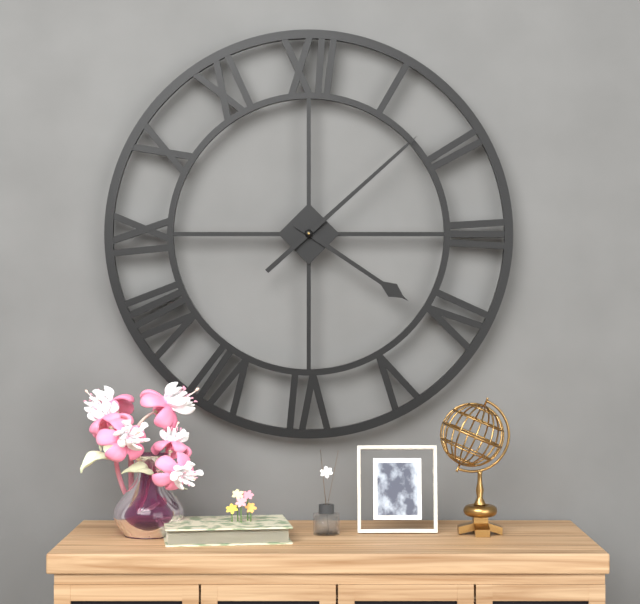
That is 4:08
